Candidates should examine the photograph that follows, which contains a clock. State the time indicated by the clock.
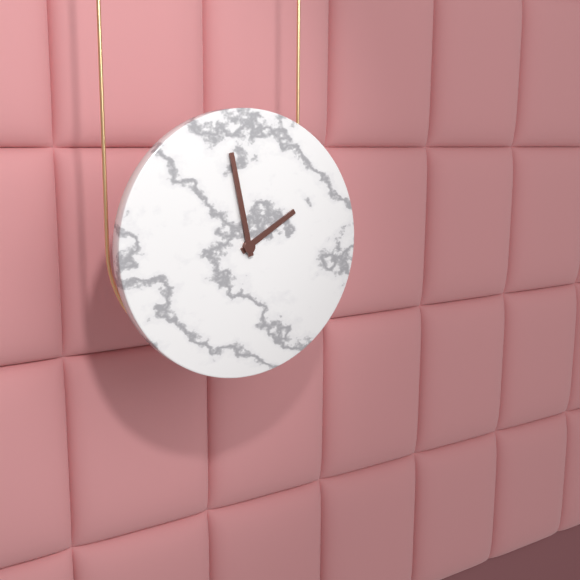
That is 1:58
